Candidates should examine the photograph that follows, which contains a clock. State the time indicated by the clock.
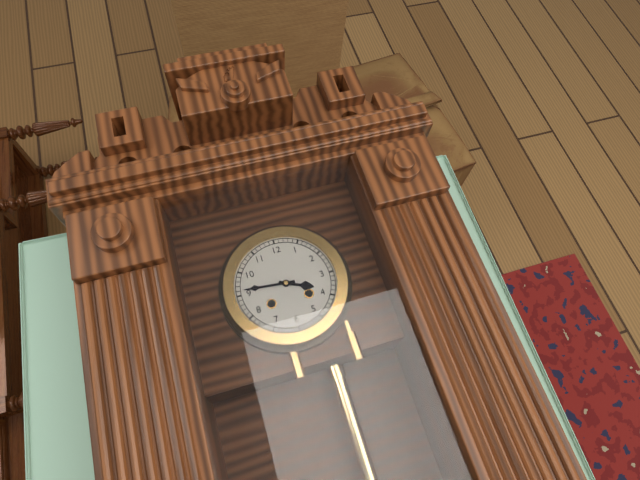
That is 3:46
